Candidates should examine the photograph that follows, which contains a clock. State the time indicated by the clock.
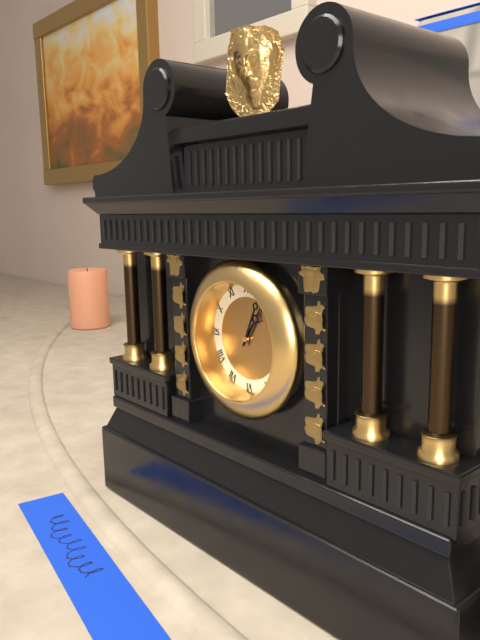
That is 1:04
